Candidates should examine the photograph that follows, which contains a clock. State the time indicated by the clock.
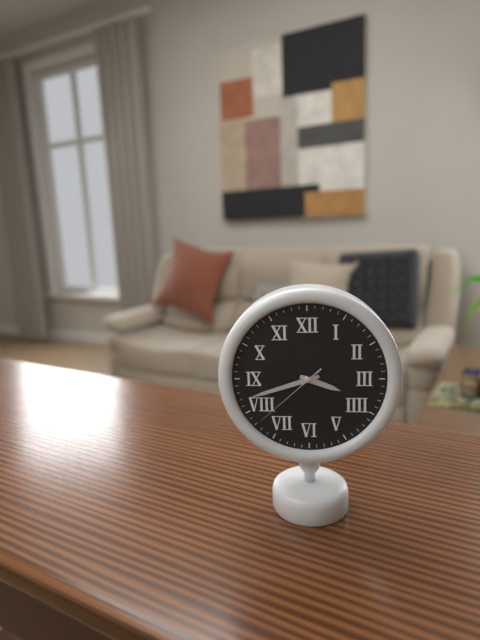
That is 3:42:38
